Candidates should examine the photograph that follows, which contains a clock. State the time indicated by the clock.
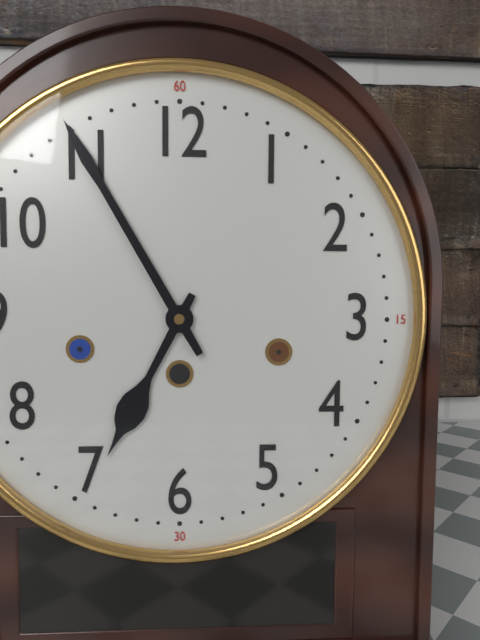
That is 6:55
